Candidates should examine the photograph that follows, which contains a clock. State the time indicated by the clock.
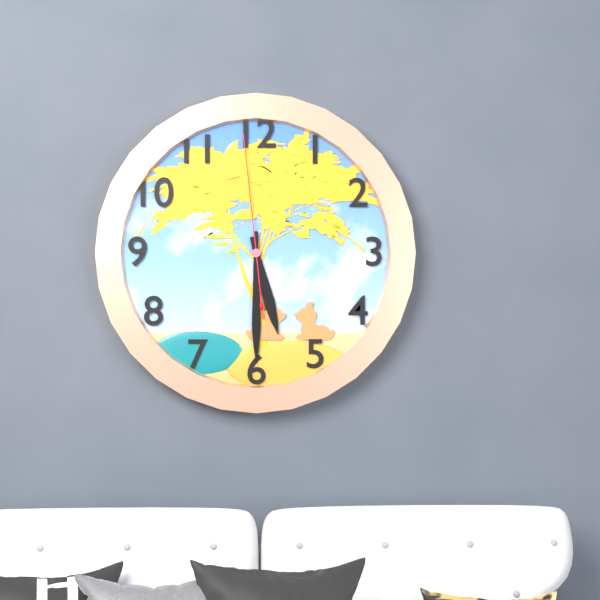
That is 5:30:59
